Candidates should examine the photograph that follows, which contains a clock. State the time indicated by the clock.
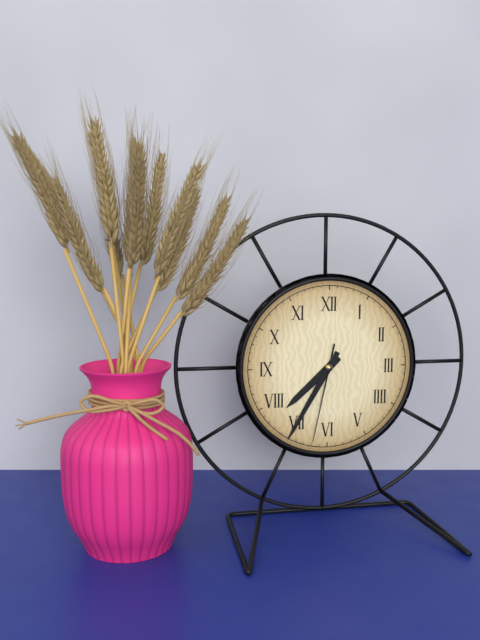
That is 7:35:32
